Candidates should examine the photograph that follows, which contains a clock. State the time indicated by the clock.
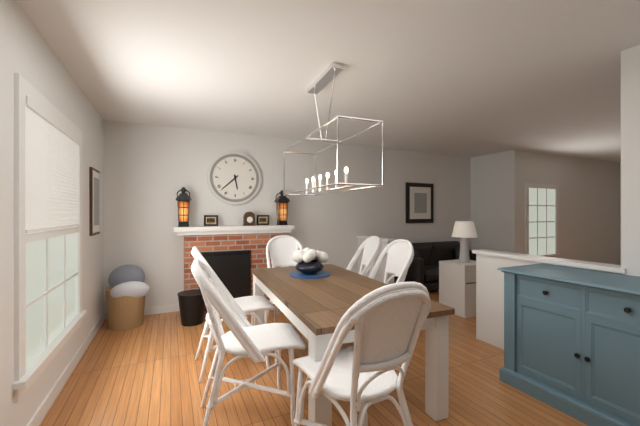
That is 5:38
